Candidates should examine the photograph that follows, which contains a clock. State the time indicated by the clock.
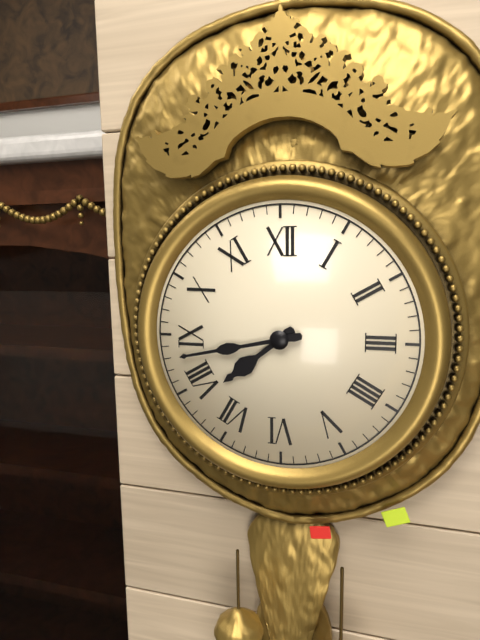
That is 7:43
